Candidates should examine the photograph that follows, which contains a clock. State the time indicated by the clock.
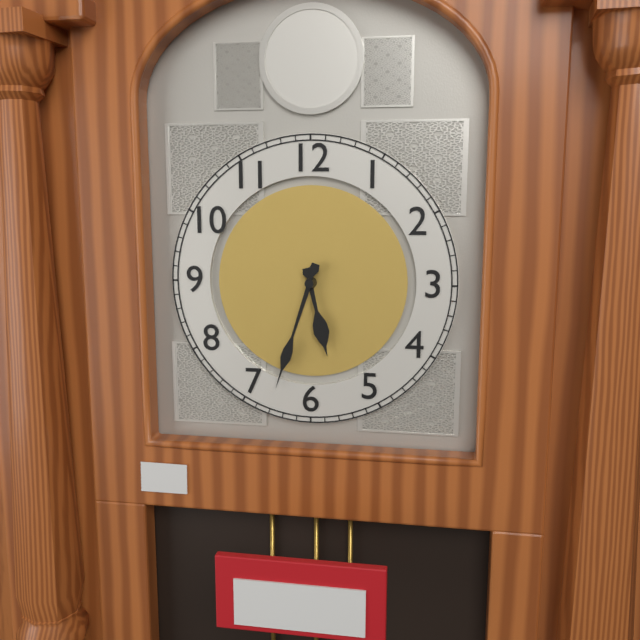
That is 5:33
